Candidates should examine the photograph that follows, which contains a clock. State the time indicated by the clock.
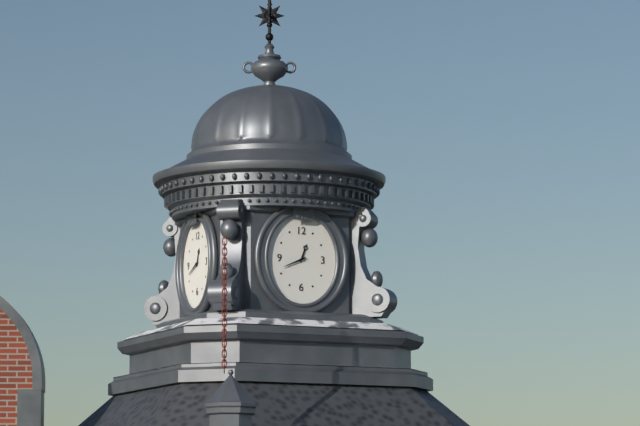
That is 12:41
